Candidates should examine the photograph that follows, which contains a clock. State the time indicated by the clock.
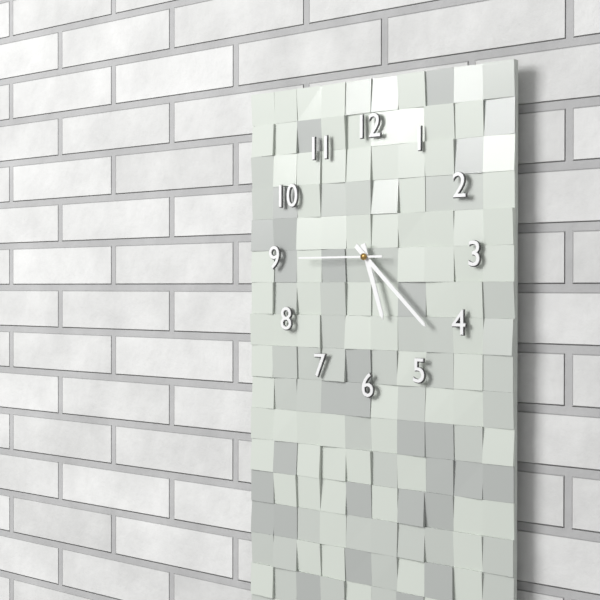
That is 5:22:45
